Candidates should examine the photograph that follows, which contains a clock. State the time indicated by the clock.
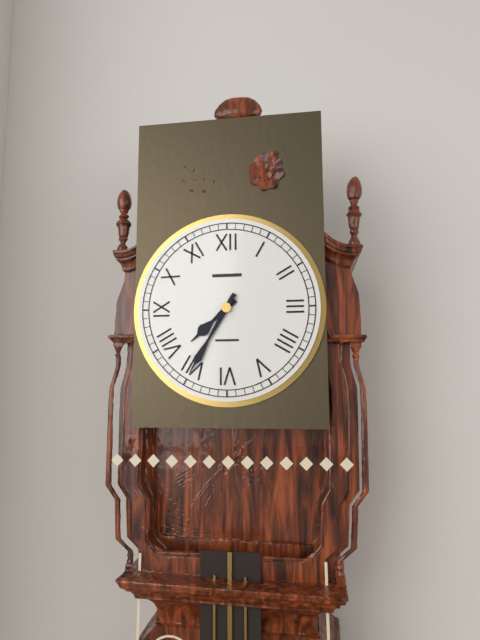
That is 7:35
